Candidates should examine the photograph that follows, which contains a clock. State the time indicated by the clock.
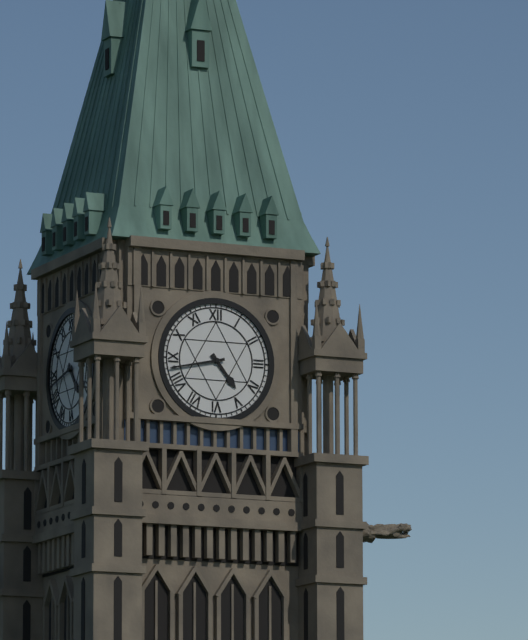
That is 4:43
